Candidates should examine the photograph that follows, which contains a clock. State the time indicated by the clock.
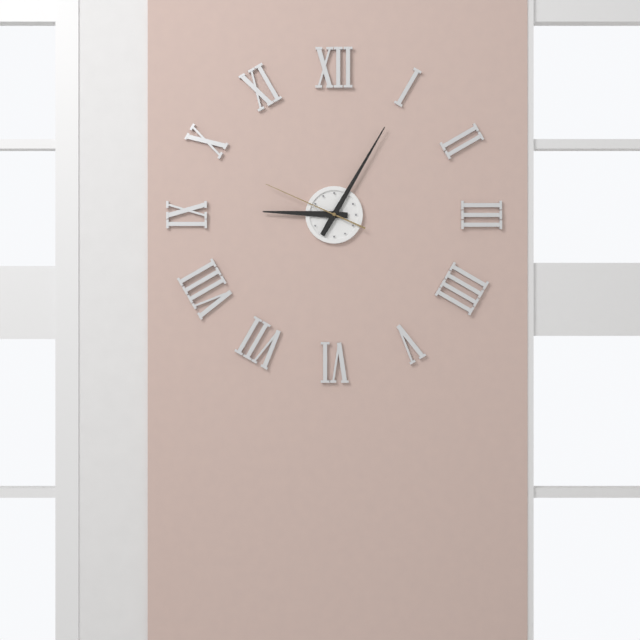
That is 9:05:49
